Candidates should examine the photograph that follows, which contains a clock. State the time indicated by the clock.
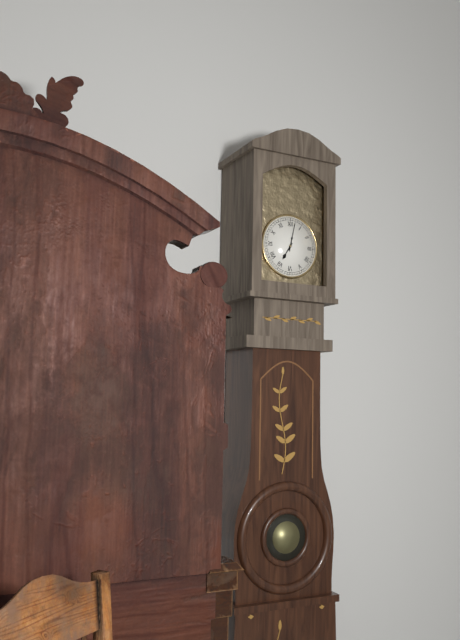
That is 7:02
